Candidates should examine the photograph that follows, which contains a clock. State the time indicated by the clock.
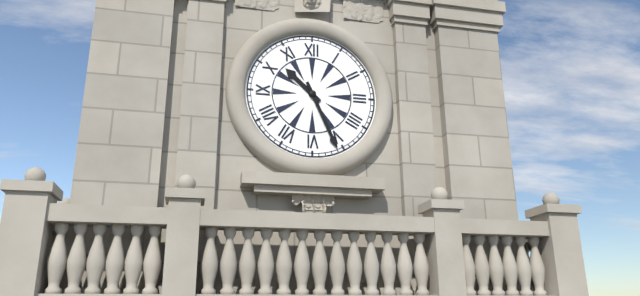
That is 10:26
